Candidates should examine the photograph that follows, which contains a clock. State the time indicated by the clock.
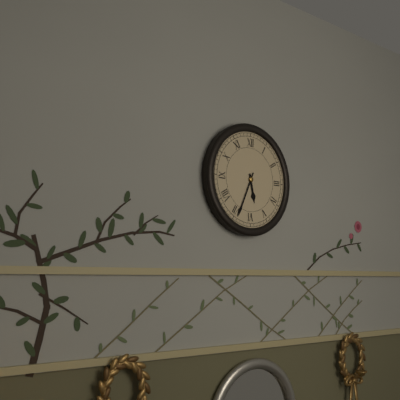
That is 5:34
